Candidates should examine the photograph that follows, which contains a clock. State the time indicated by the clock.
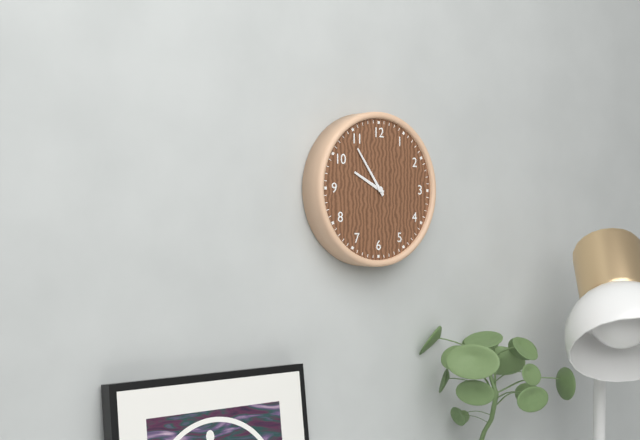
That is 9:54
